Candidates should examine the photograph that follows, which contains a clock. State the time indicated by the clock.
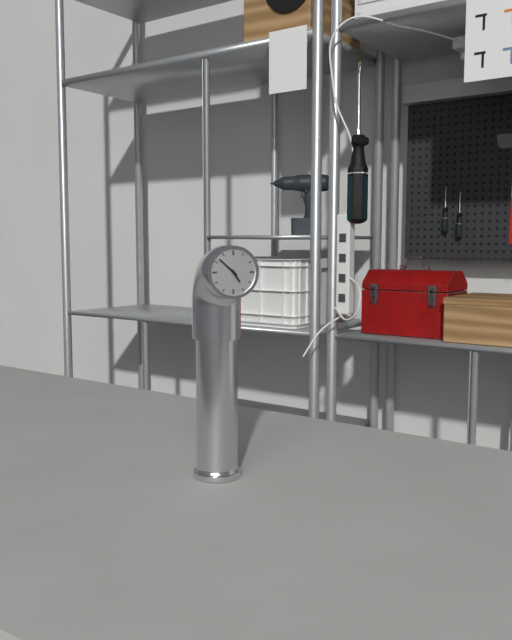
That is 4:52
